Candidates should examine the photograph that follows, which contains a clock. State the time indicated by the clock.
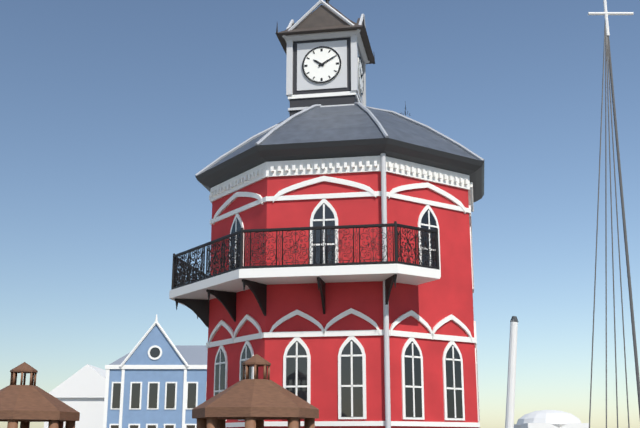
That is 10:10
